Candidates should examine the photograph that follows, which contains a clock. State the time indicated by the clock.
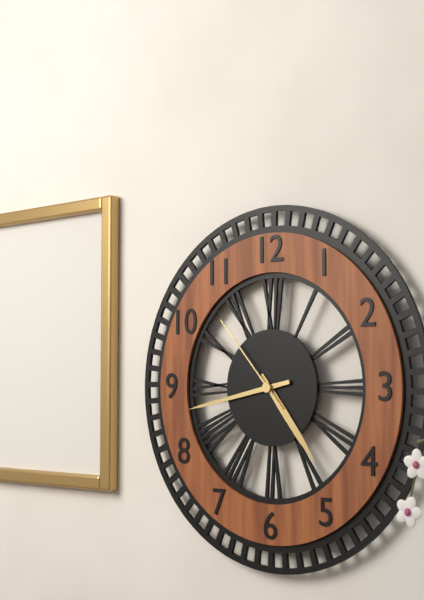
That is 4:43:53
